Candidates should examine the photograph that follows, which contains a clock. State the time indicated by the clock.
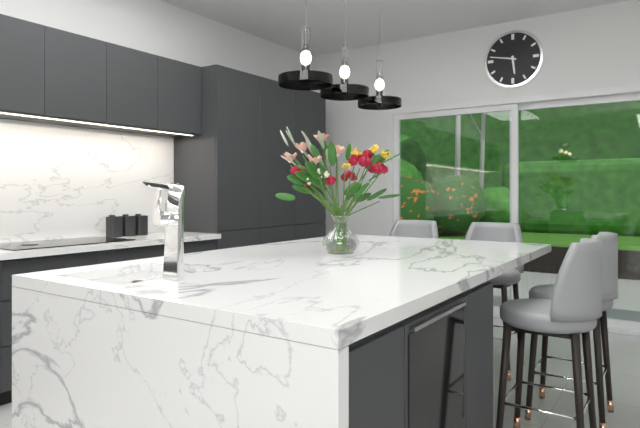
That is 5:47
